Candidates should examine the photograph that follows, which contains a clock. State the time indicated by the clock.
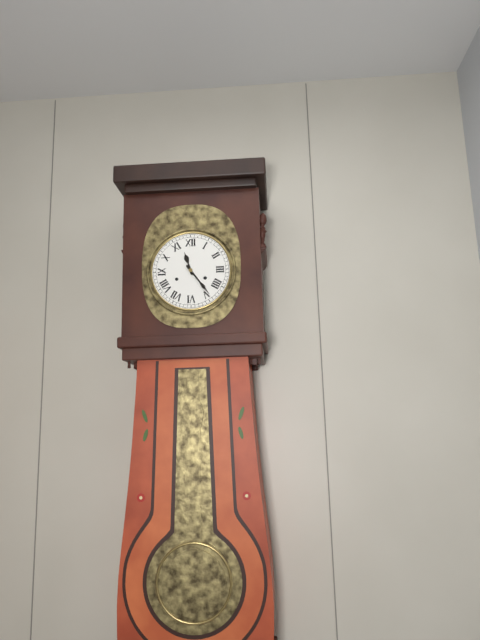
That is 11:24
